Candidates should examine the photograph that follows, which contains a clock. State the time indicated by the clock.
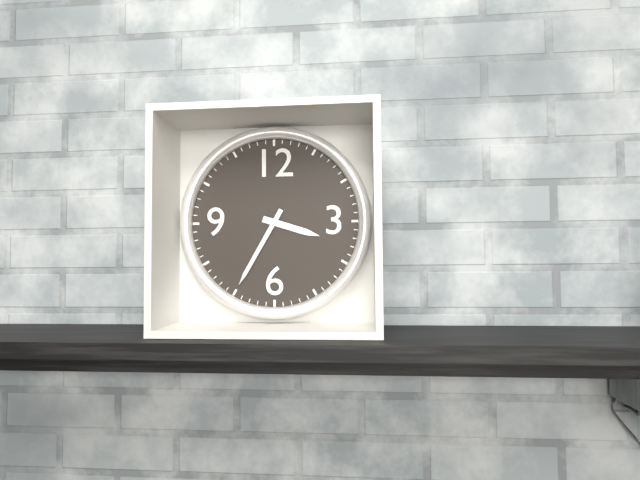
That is 3:35
